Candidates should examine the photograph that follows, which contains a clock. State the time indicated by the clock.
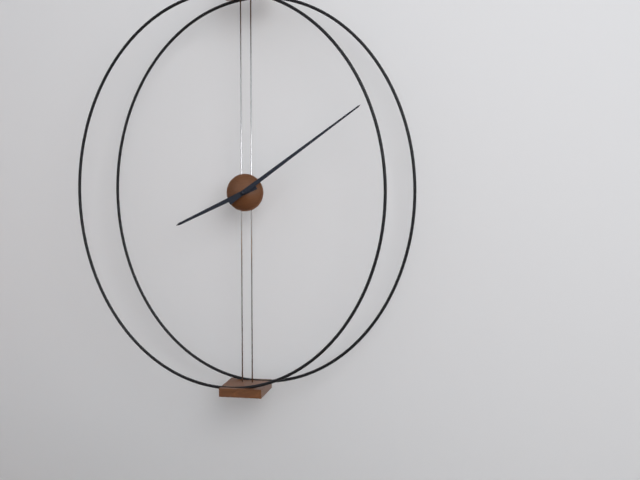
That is 8:09
